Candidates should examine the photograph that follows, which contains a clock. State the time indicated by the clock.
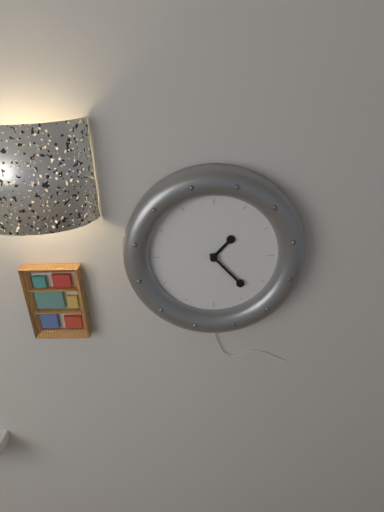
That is 1:23
